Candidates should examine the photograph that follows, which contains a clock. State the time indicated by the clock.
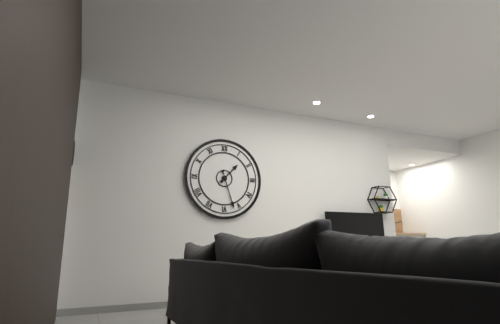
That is 1:27
